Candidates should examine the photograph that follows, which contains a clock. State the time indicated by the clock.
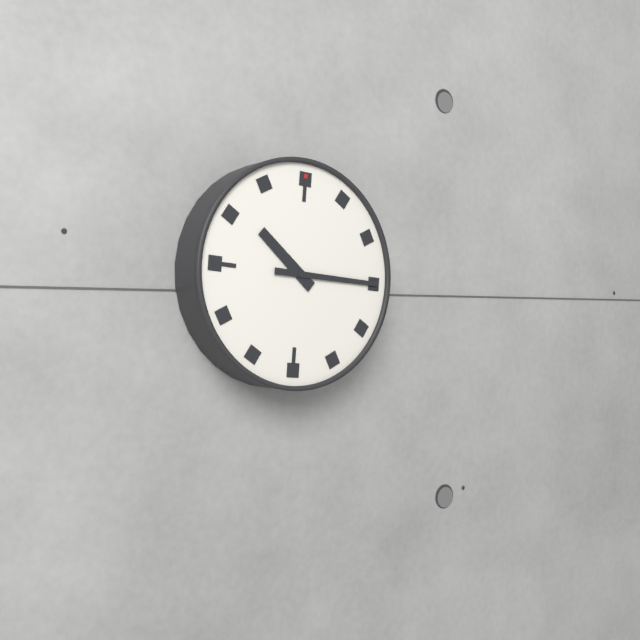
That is 10:15
